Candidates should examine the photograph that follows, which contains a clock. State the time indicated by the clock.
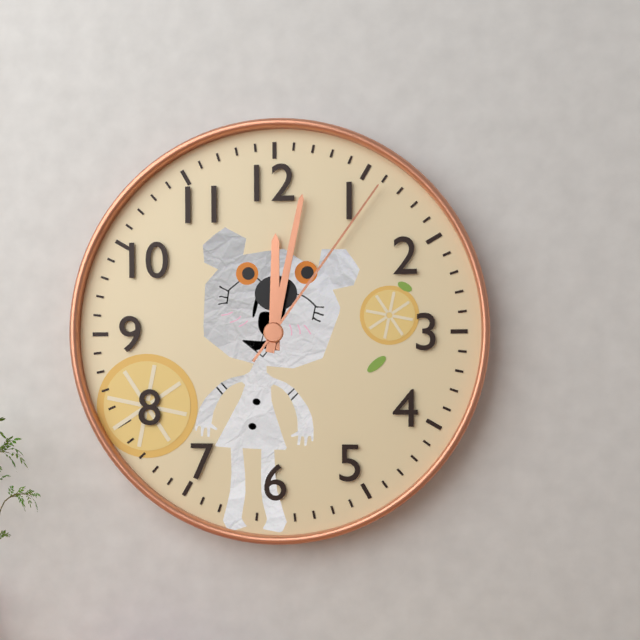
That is 12:02:06
